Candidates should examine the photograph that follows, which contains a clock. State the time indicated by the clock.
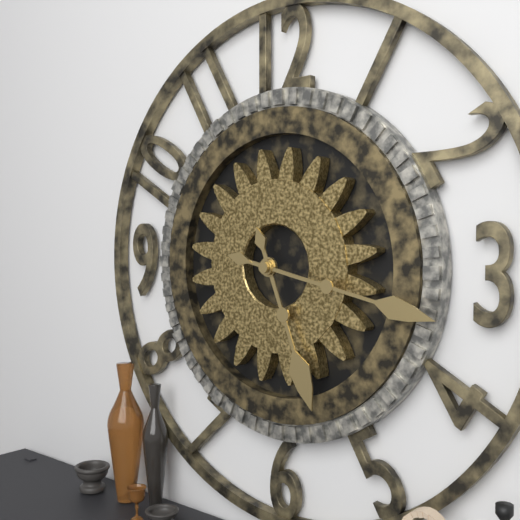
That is 5:17
